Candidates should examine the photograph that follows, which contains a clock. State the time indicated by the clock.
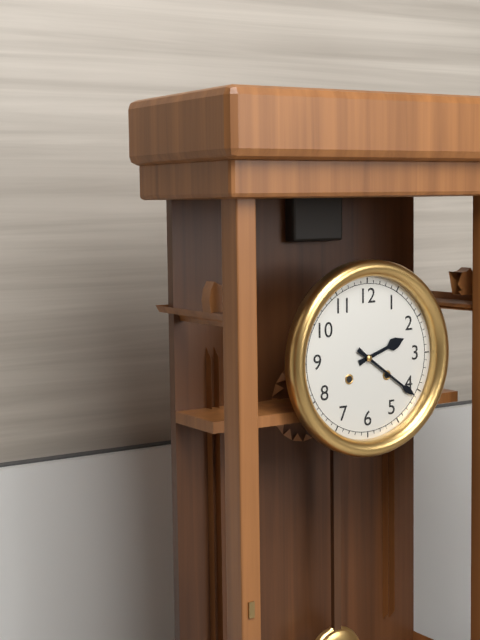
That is 2:21
